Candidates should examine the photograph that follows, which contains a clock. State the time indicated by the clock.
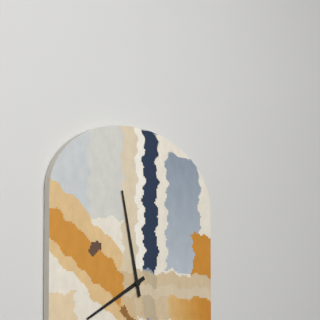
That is 7:58
